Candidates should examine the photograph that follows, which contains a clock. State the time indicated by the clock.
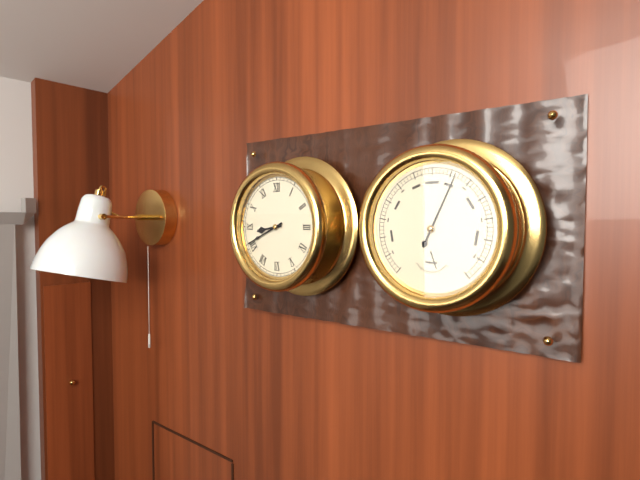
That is 8:41
